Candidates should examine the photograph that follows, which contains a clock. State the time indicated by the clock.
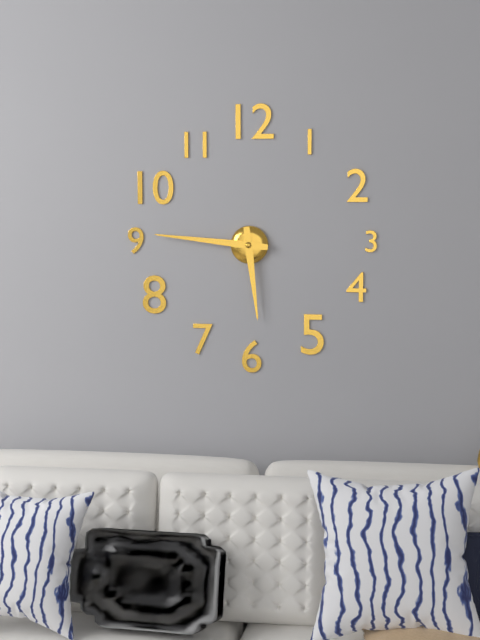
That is 5:46
